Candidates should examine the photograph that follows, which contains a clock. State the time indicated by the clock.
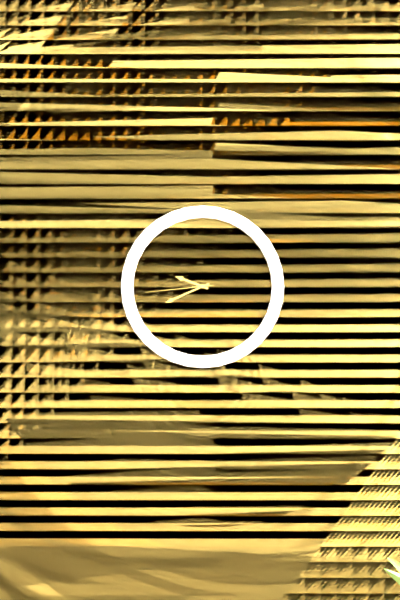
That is 9:41:44
